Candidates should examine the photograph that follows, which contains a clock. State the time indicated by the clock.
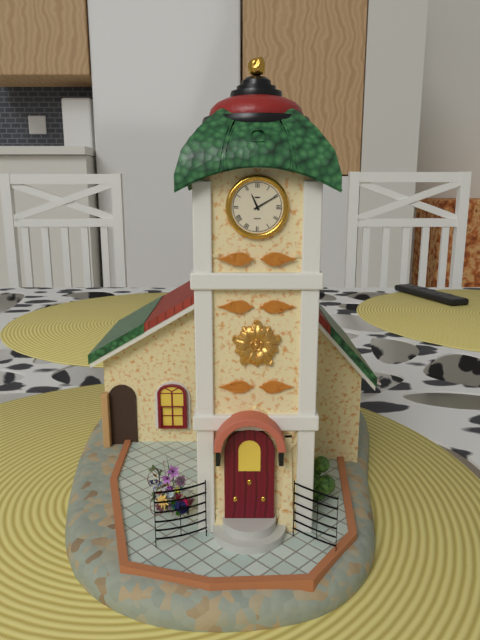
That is 11:10
